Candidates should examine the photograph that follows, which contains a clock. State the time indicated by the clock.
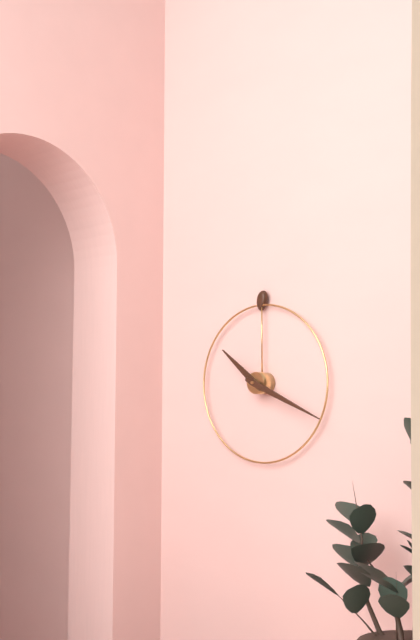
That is 10:19
